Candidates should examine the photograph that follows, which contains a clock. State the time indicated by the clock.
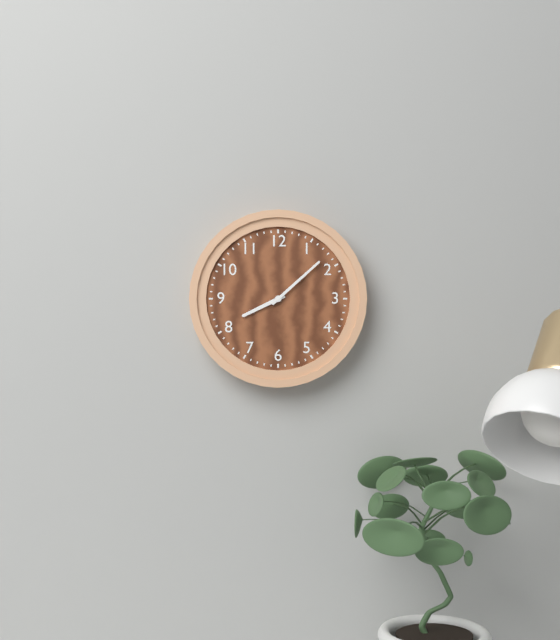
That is 8:08
